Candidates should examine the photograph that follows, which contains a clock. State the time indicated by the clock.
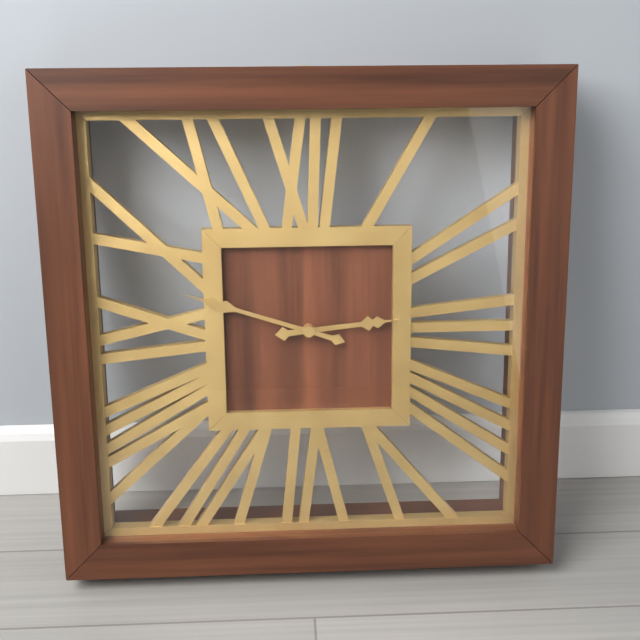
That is 2:48
